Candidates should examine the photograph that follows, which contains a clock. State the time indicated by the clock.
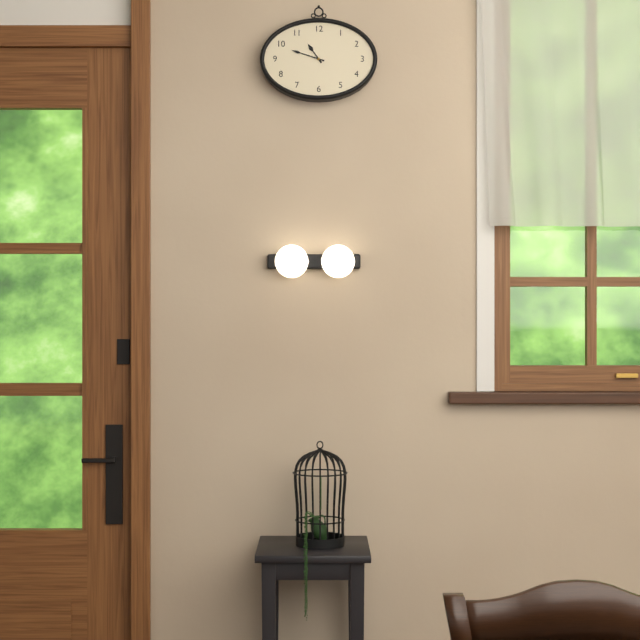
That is 10:48
